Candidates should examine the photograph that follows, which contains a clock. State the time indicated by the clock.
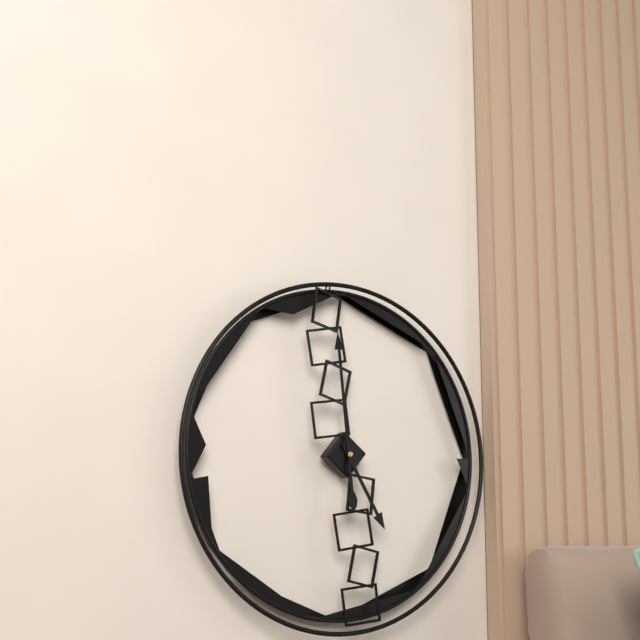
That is 4:59
